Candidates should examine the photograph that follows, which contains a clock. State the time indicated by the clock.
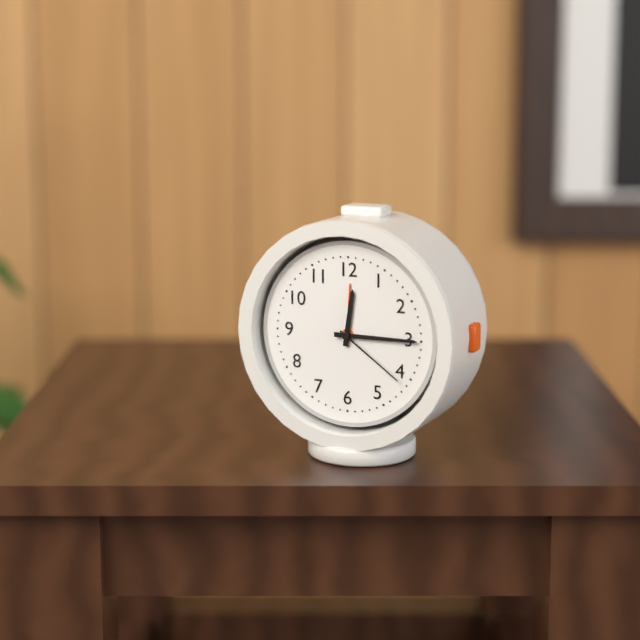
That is 12:15:21
